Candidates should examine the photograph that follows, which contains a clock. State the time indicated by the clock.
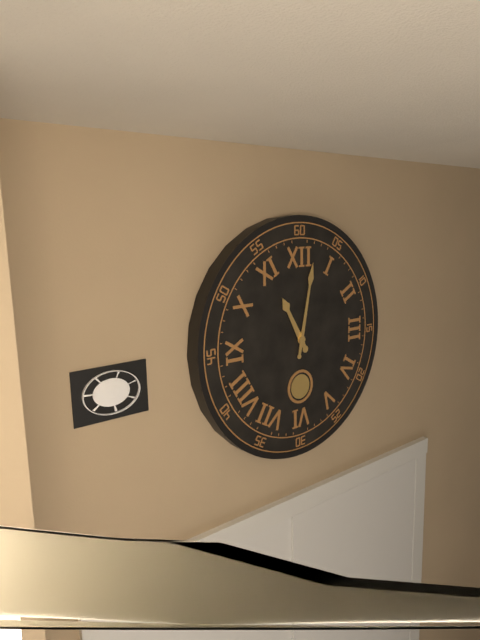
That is 11:02
